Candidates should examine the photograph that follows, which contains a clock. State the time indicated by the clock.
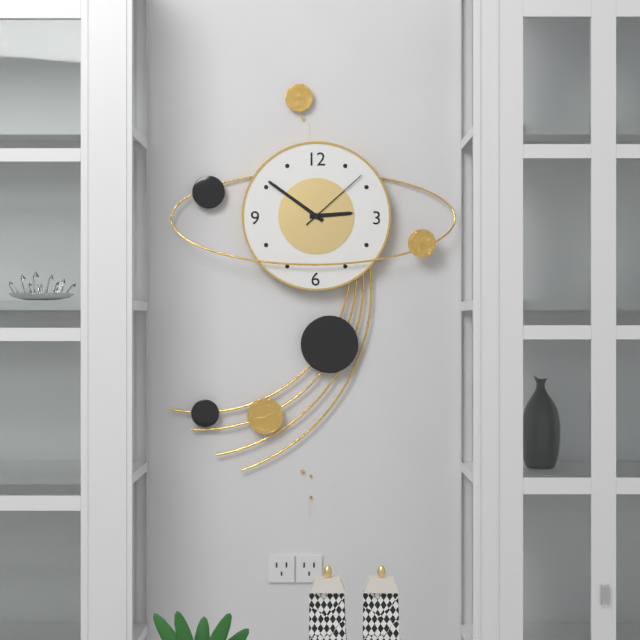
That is 2:51:08
